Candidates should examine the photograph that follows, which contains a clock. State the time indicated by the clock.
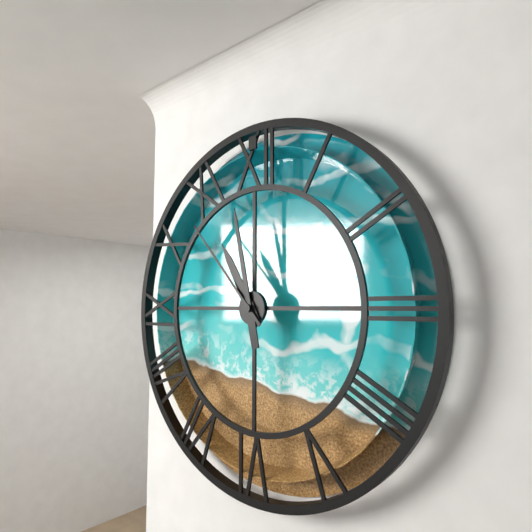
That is 10:58:53
